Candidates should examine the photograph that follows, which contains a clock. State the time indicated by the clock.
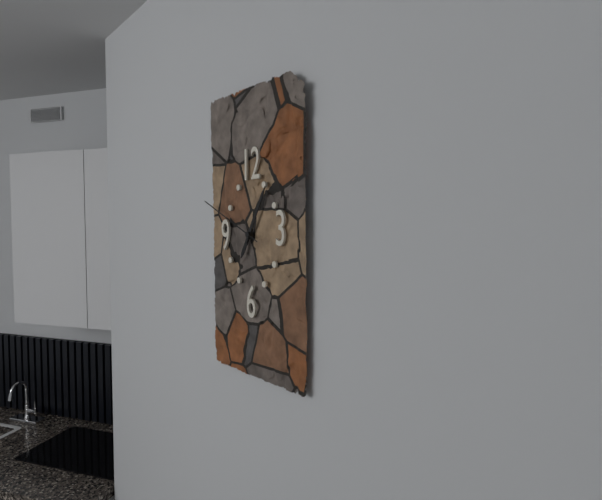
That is 7:05:49
